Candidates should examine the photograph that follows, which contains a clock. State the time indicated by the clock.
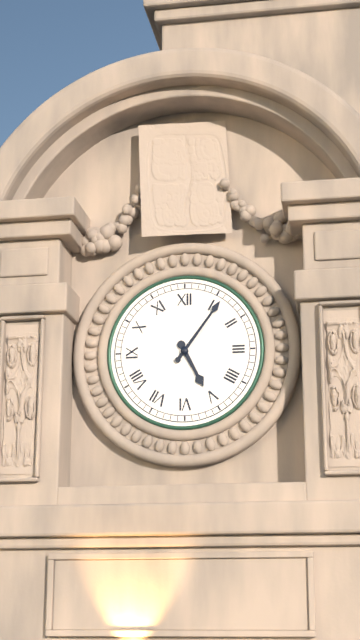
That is 5:06
